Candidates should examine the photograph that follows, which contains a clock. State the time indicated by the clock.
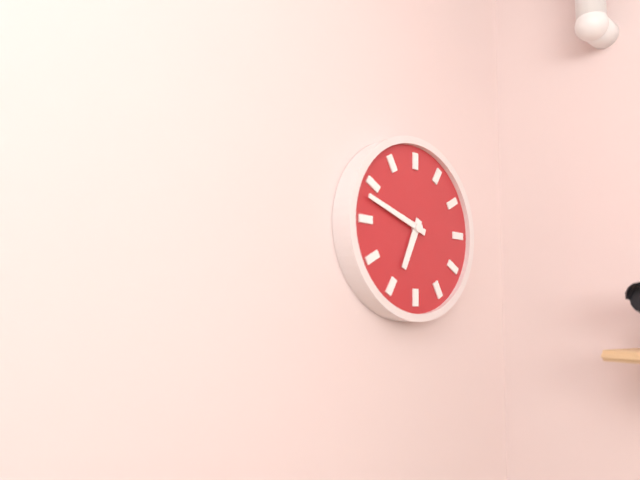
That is 6:48
